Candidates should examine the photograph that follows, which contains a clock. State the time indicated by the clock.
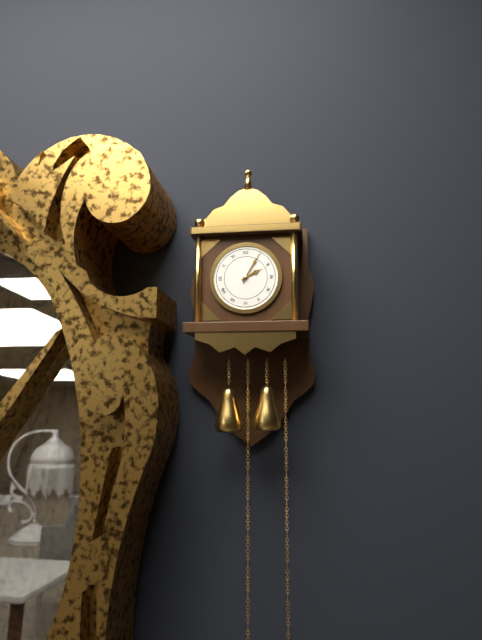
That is 2:05
